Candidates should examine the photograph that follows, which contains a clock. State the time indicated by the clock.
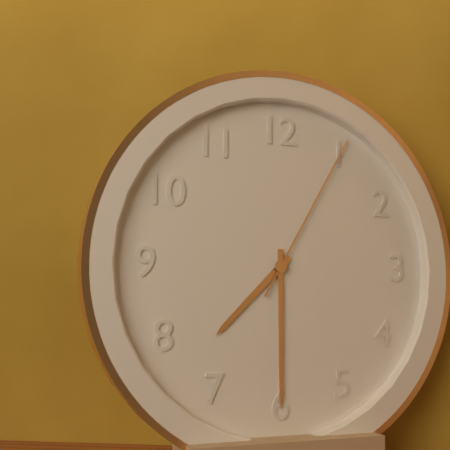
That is 7:30:05
